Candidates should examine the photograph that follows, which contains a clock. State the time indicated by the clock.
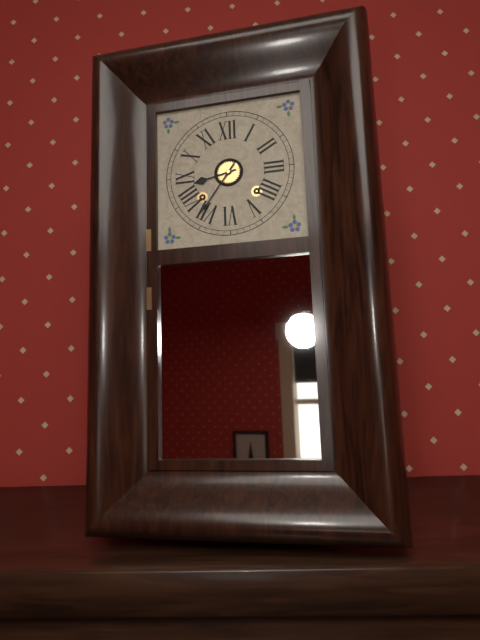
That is 8:36
